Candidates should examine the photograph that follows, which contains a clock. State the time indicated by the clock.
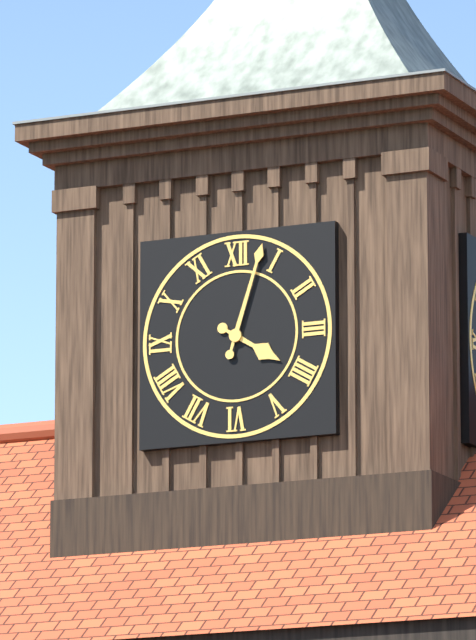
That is 4:03
